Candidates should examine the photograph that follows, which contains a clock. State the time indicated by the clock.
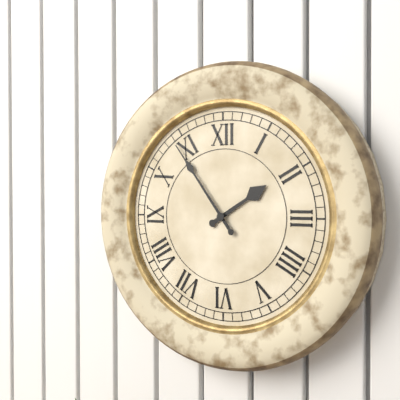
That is 1:54
